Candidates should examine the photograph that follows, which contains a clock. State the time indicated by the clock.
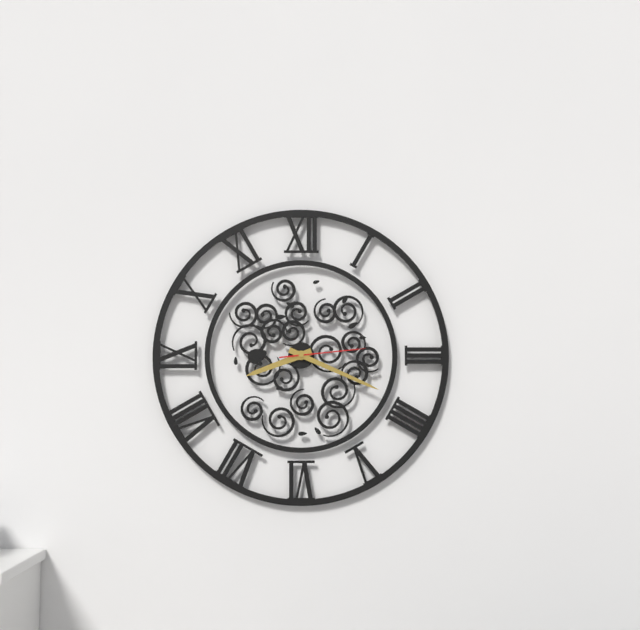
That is 8:19:14
